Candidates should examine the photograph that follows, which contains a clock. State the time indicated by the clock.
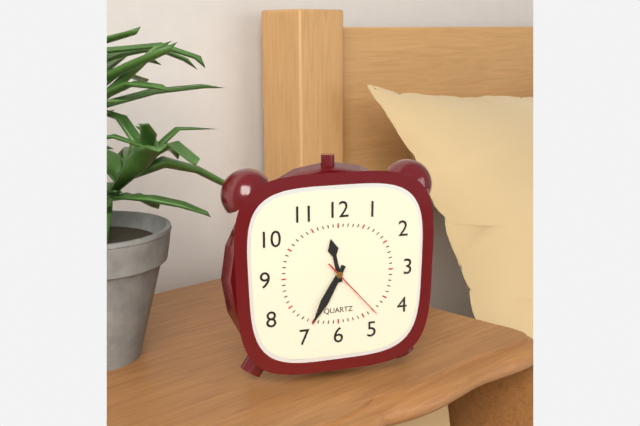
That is 11:35:23
